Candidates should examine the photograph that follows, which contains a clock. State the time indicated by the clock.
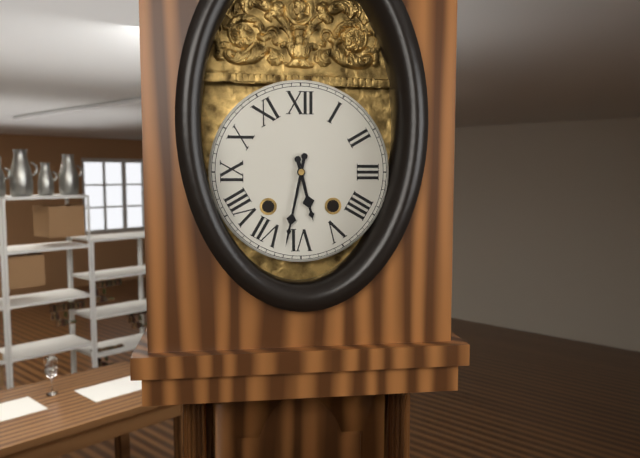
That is 5:32
